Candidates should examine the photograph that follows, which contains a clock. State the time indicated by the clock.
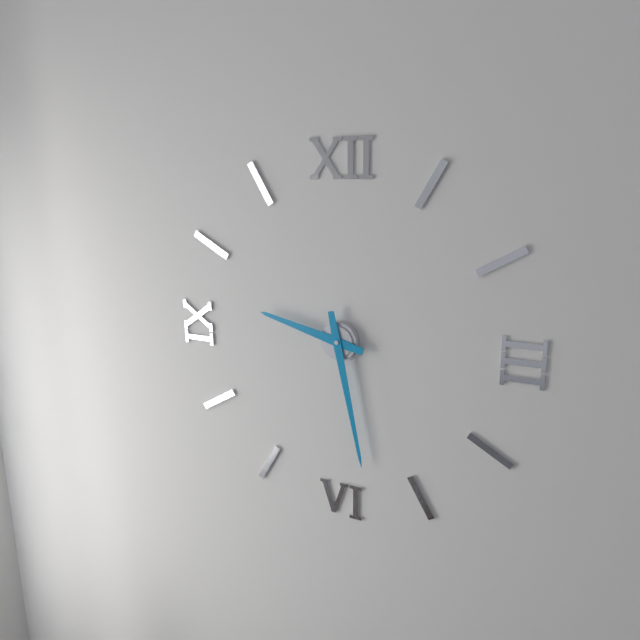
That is 9:28
